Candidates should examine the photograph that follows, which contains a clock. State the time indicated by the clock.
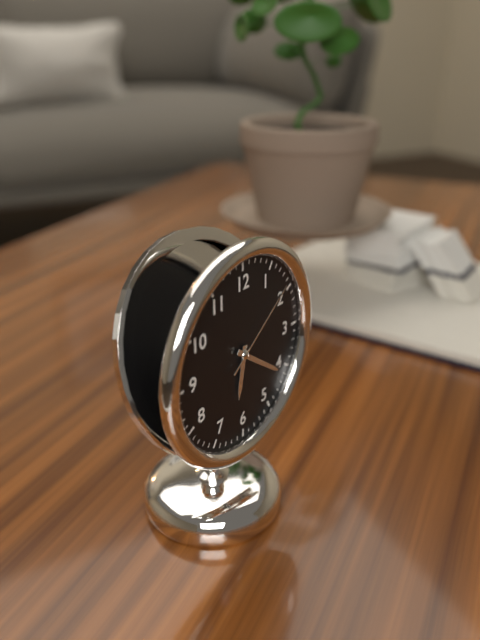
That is 6:21:09
